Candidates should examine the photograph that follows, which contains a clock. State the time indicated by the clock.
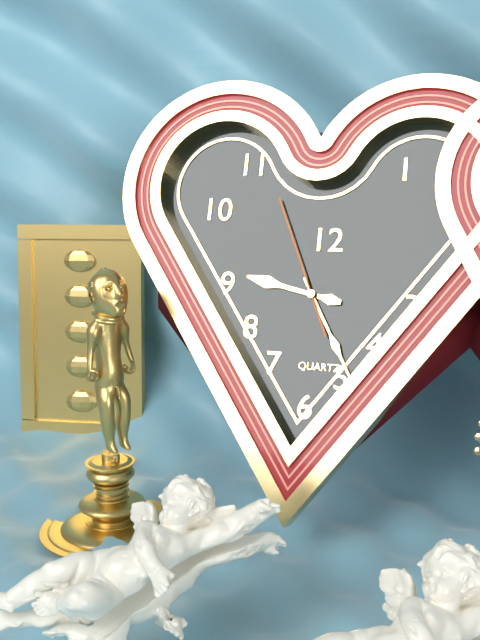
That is 9:25:56
